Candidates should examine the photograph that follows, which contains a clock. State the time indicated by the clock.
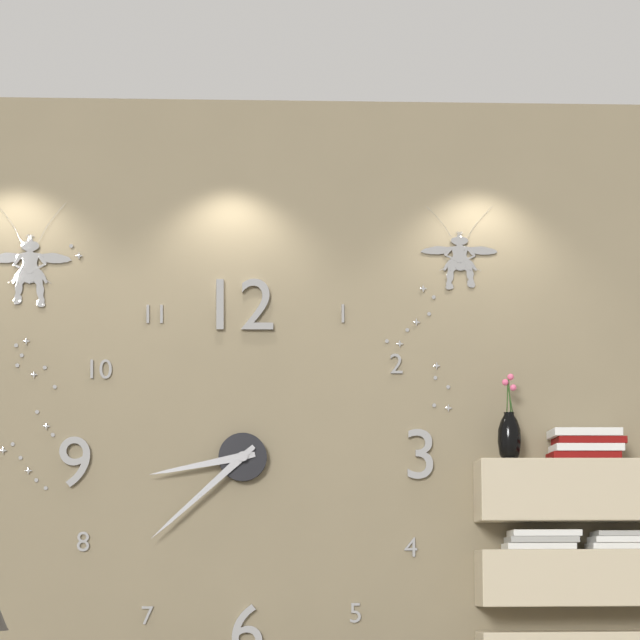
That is 8:38
